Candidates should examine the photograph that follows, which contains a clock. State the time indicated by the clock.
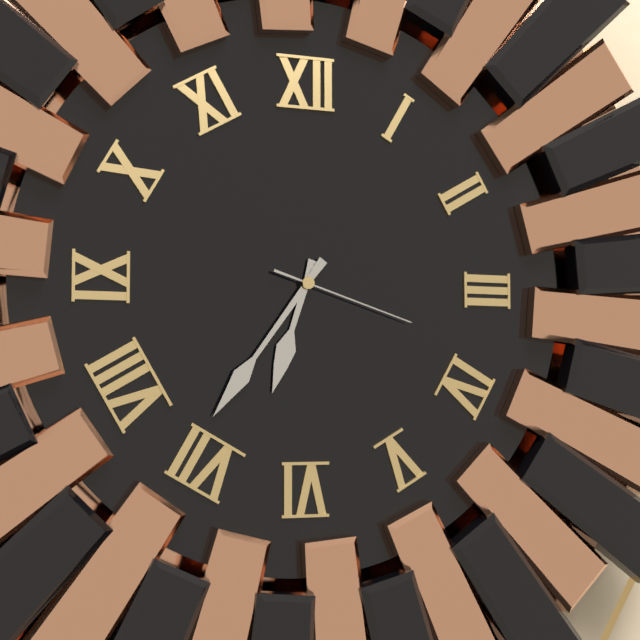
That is 6:36:18
